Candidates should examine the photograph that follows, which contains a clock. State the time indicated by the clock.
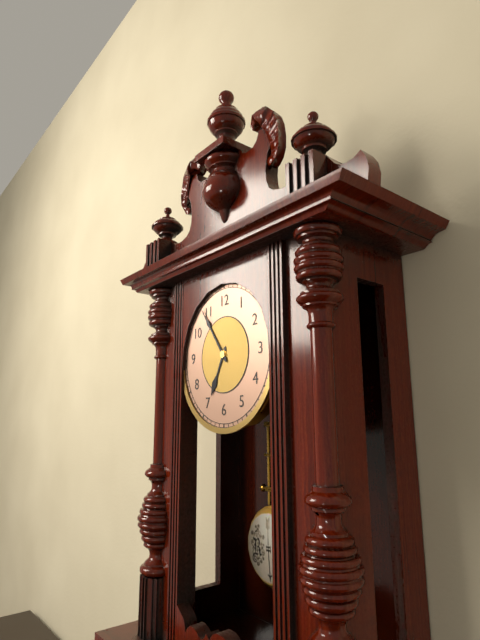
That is 6:54
